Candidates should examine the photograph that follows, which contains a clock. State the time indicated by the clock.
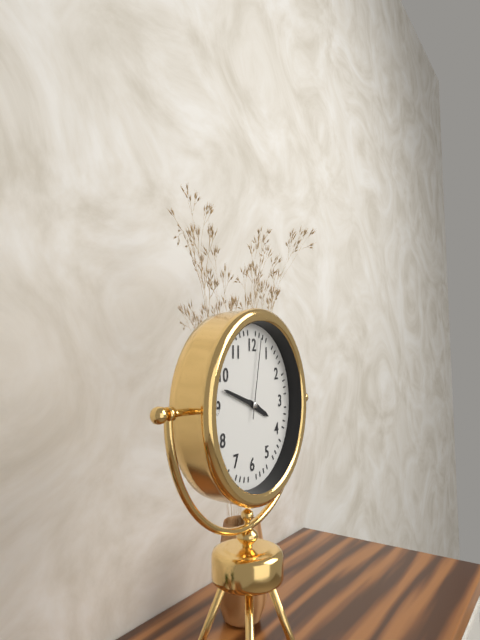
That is 3:48:02
